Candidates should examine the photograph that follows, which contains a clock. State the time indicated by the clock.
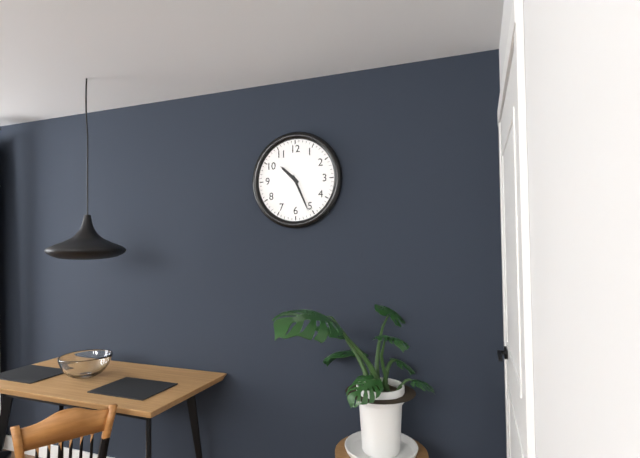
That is 10:26
